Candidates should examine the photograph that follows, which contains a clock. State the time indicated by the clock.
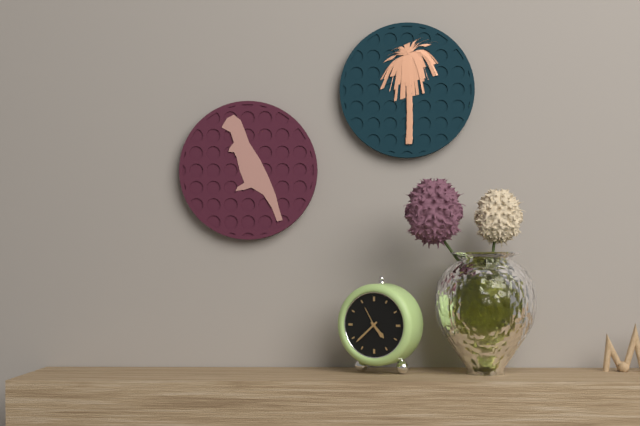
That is 4:38
